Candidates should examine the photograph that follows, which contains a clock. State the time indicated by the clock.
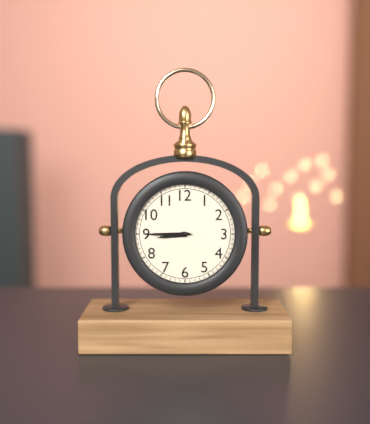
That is 8:45
